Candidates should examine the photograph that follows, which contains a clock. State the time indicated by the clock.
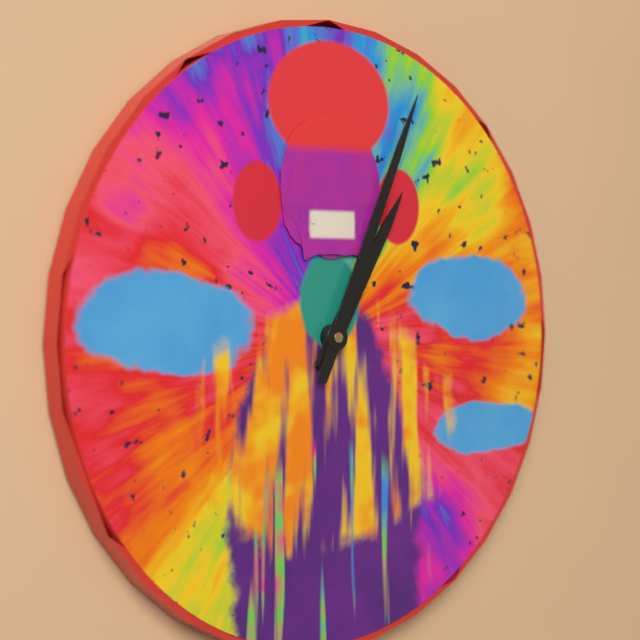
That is 1:04
